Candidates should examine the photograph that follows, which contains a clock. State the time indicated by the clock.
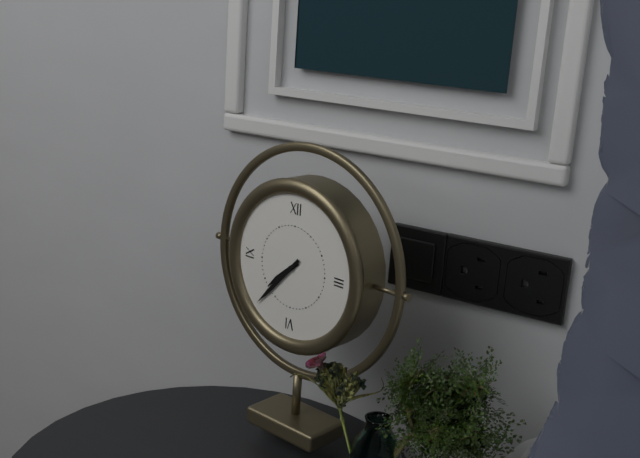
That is 7:37
